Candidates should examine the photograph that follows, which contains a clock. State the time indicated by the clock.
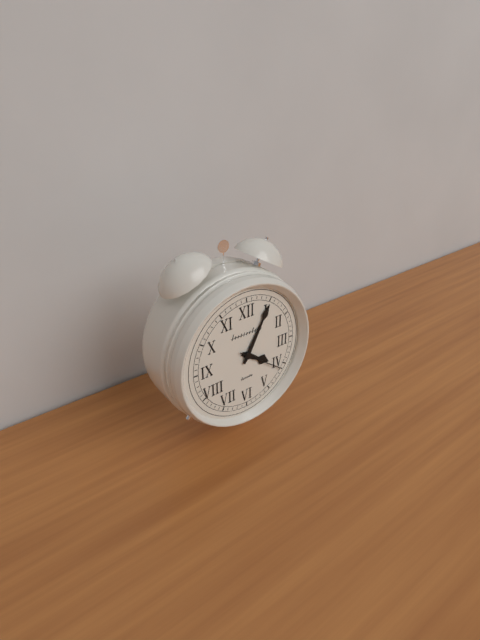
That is 4:05
